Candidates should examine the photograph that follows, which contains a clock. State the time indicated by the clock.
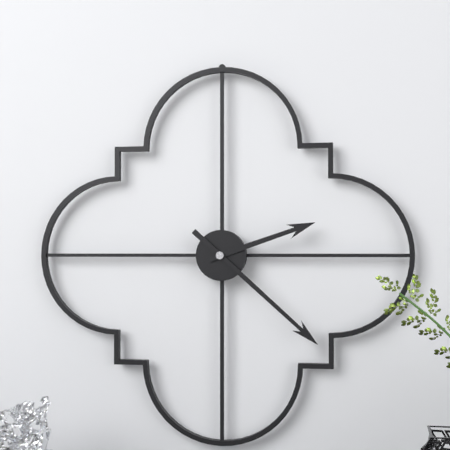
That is 2:22
